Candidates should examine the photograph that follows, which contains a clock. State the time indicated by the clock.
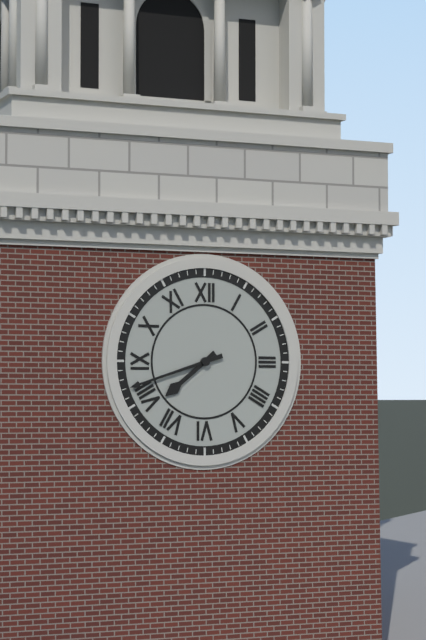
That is 7:42
